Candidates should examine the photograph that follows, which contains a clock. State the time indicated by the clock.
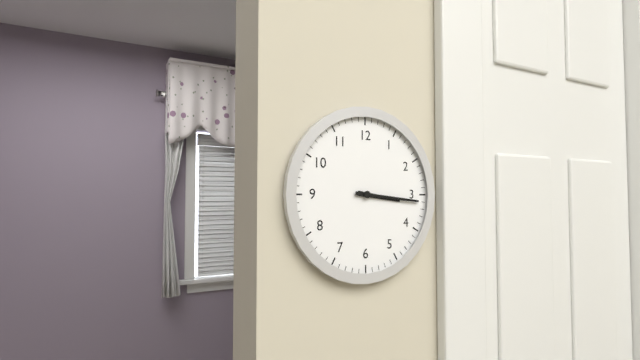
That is 3:16
